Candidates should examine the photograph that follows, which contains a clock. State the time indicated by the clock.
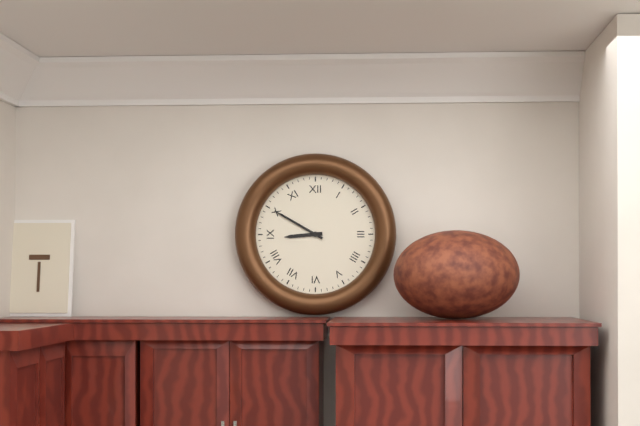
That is 8:50
